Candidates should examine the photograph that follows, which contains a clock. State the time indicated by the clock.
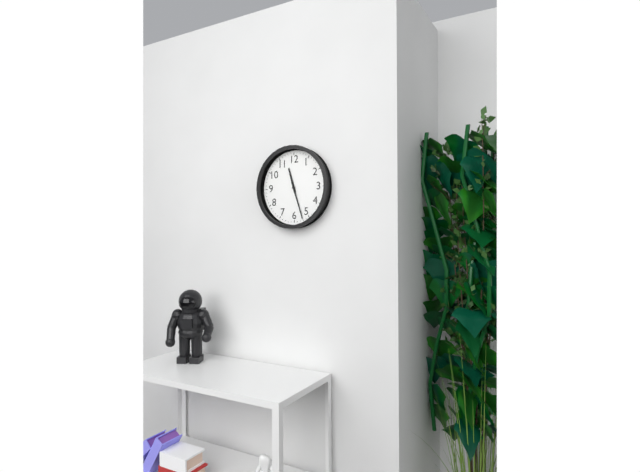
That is 11:27
